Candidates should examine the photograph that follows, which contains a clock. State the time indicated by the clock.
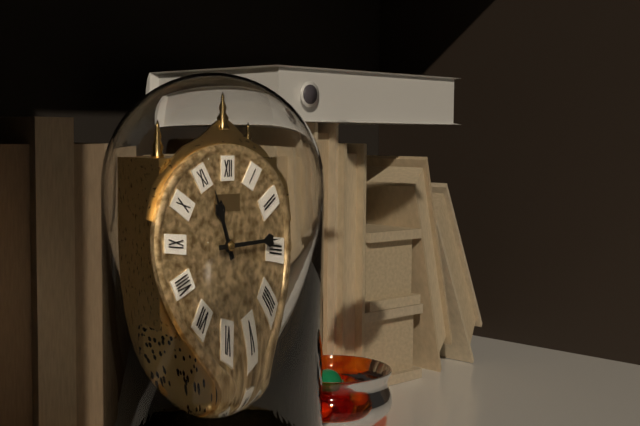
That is 11:14
